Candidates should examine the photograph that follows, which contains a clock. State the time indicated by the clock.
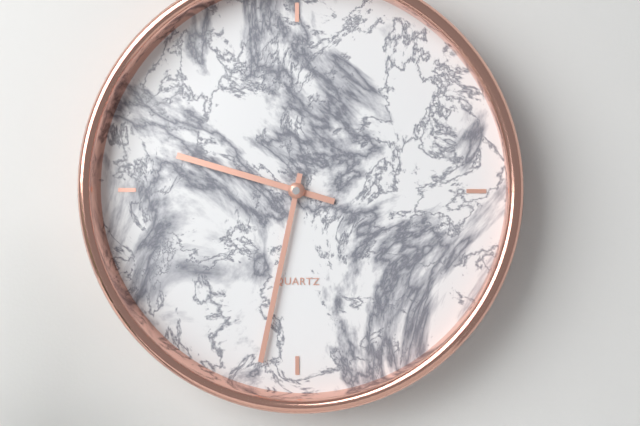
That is 9:32
